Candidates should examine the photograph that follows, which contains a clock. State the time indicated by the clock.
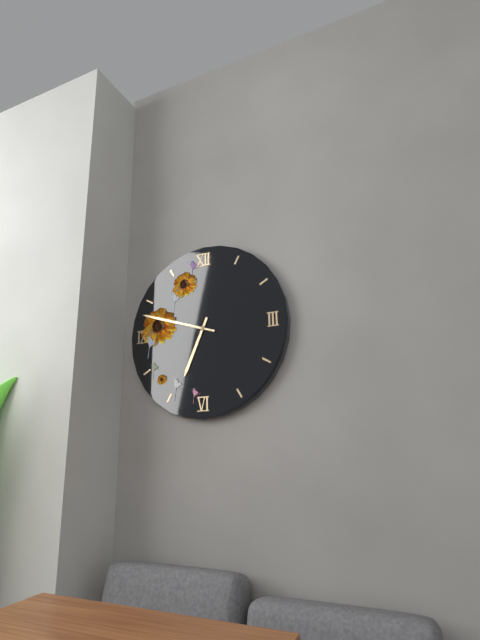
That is 6:48
